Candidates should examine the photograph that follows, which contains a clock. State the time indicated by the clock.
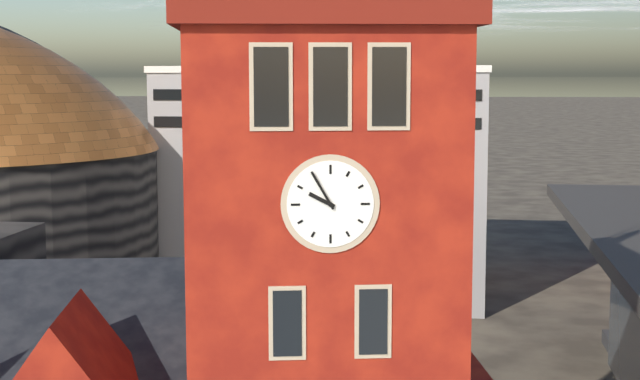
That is 9:55
